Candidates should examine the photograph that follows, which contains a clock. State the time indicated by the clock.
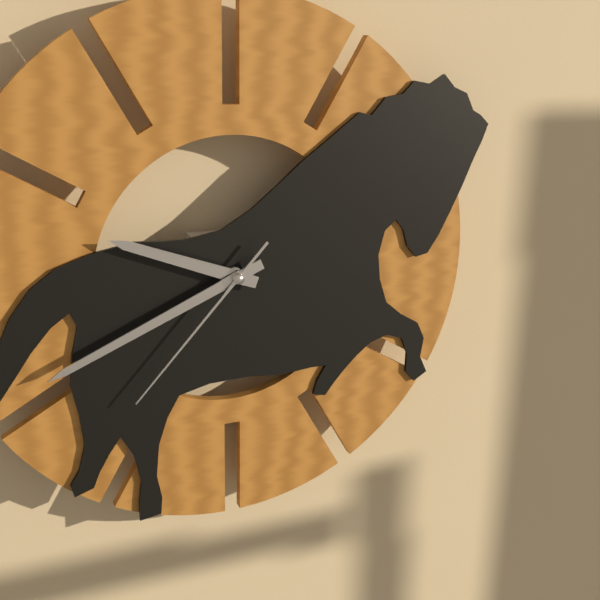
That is 9:41:37
